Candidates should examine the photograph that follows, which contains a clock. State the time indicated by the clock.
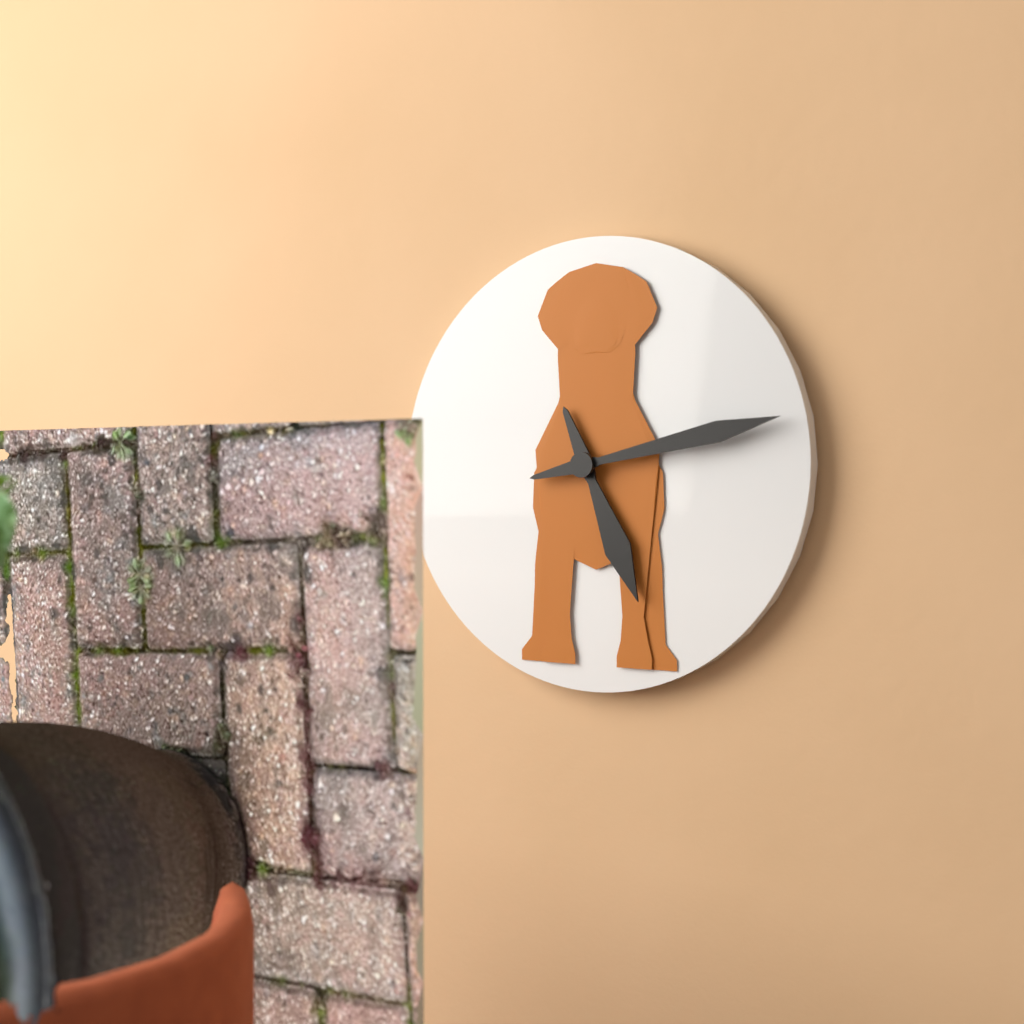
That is 5:13
